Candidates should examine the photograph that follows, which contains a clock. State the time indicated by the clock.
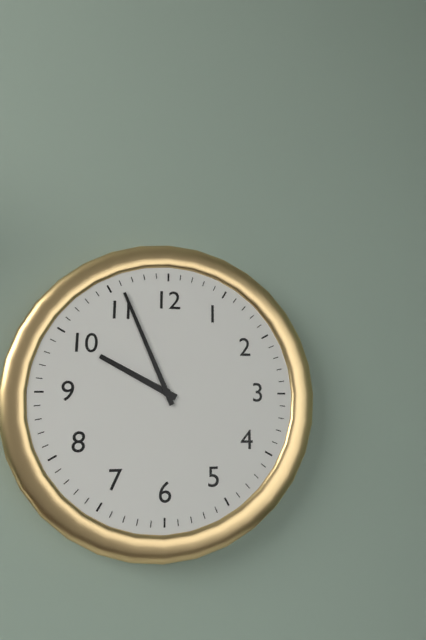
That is 9:56
